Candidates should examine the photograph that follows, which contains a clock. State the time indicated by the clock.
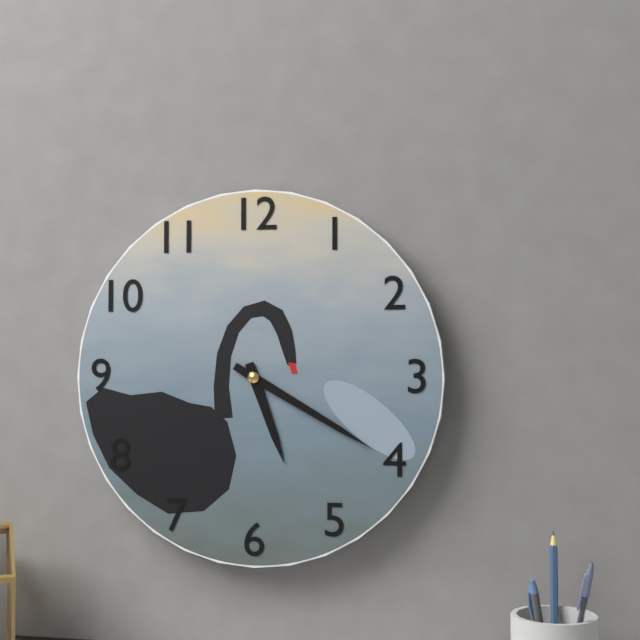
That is 5:20
